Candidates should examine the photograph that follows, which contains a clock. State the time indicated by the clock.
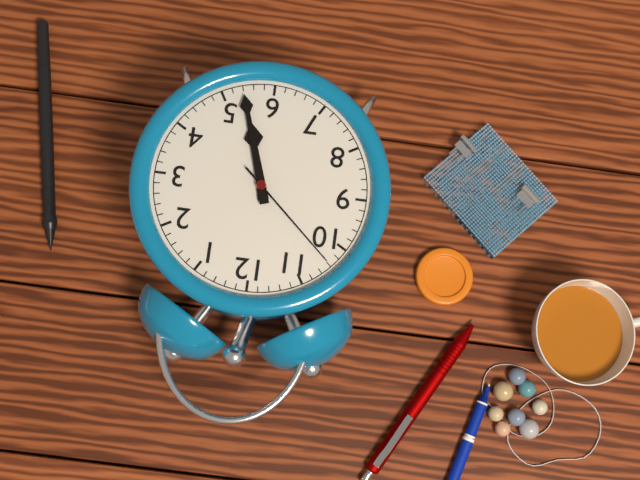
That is 5:27:52
